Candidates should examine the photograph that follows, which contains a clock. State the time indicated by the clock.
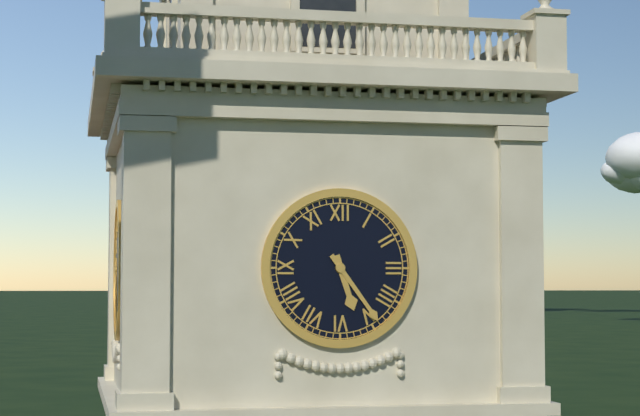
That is 5:24
